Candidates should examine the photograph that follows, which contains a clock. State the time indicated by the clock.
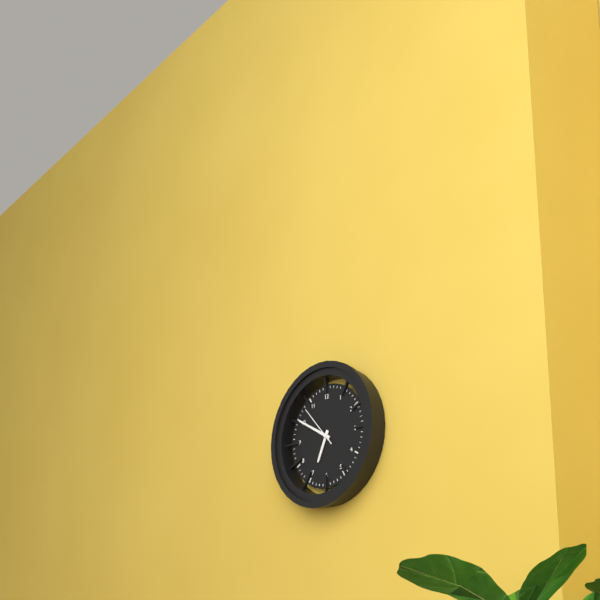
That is 6:50
